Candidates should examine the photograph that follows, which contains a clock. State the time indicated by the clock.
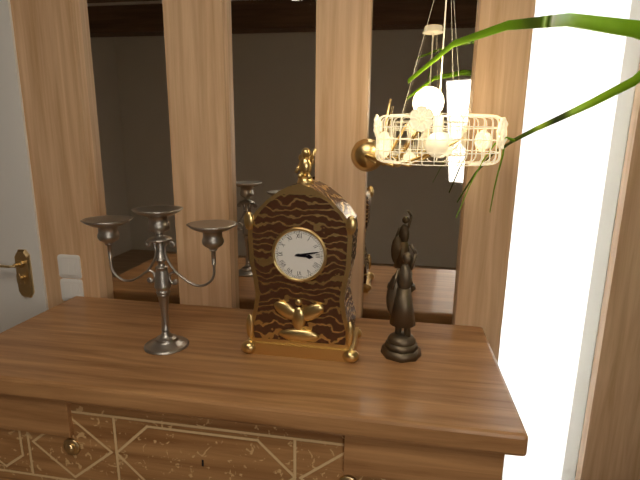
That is 3:13
